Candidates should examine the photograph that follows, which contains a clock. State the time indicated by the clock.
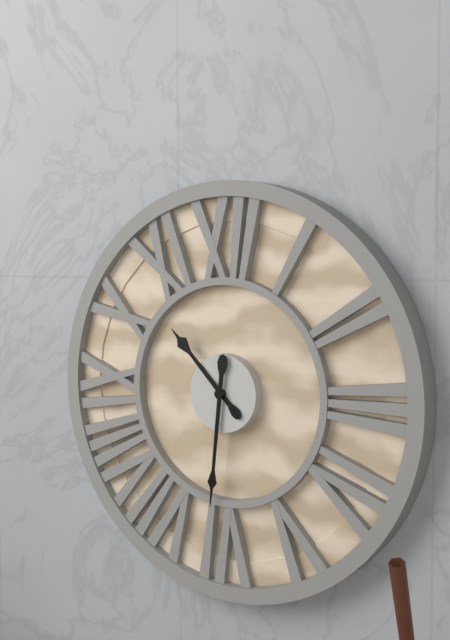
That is 10:31
